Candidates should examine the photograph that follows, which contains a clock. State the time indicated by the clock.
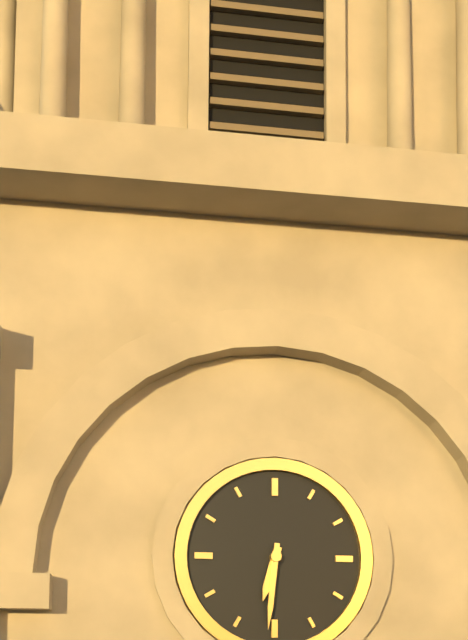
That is 6:31
